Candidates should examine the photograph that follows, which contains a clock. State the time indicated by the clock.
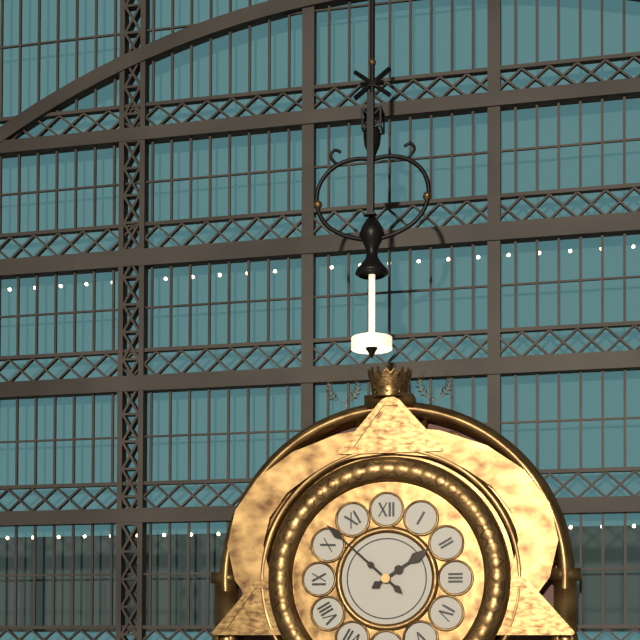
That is 1:52
